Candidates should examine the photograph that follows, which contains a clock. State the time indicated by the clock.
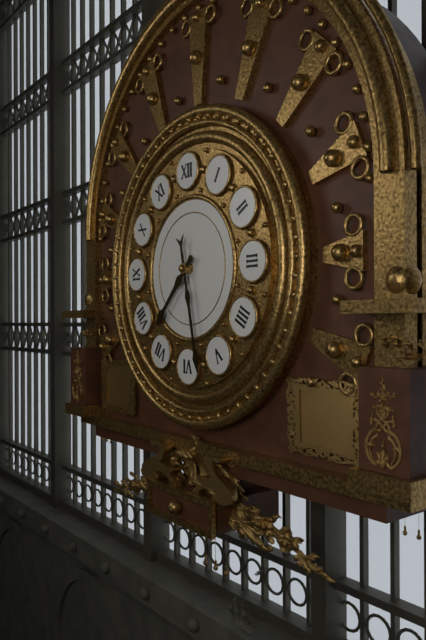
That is 7:28
